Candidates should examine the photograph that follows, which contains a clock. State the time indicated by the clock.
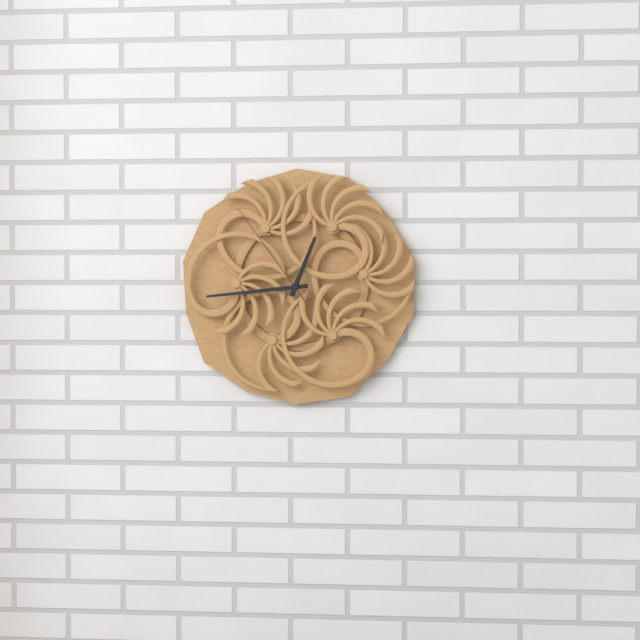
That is 12:44:54
